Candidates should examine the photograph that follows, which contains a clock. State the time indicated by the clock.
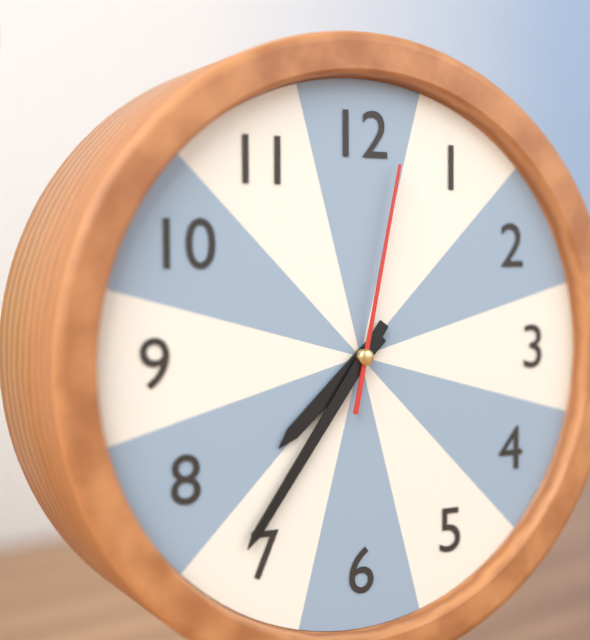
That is 7:36:02
